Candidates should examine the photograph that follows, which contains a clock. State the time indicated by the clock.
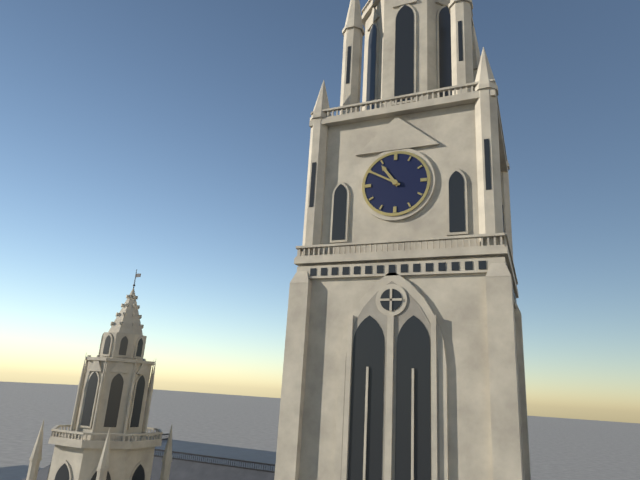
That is 10:50
